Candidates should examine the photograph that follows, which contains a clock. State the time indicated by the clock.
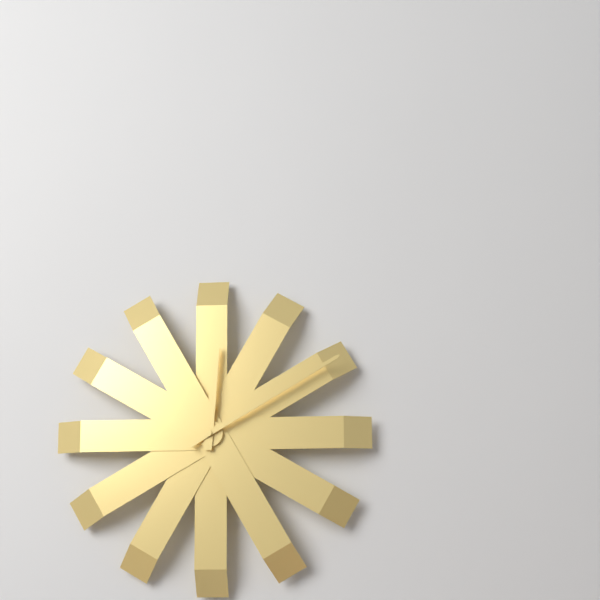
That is 12:10
